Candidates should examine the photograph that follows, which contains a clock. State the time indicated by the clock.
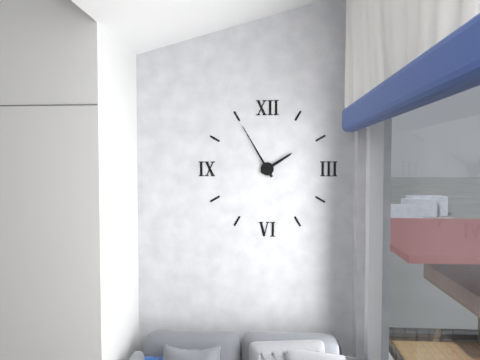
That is 1:55
